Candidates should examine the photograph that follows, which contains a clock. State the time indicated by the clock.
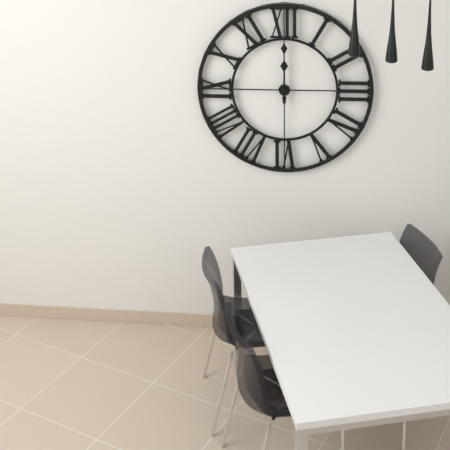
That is 12:00
